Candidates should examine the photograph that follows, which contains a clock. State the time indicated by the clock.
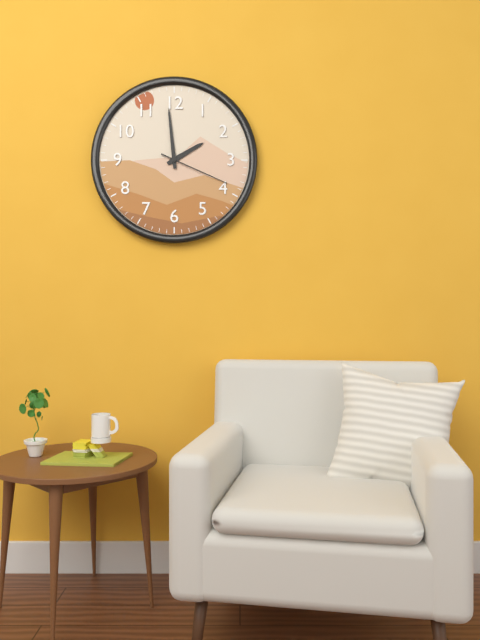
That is 1:59:19
